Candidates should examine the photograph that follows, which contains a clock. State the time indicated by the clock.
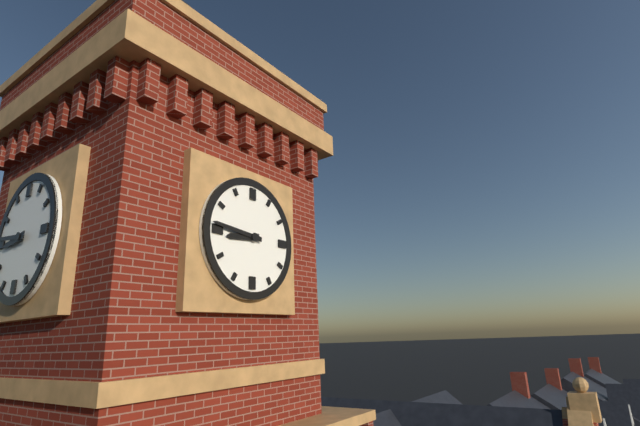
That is 8:46
